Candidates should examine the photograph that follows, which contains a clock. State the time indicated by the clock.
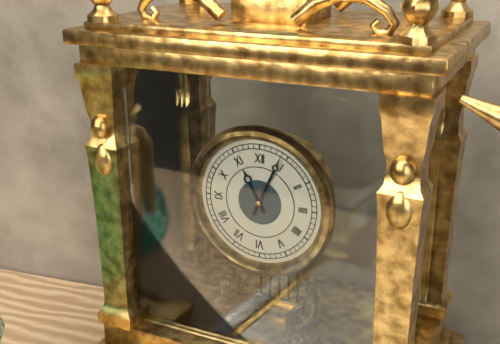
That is 11:04
